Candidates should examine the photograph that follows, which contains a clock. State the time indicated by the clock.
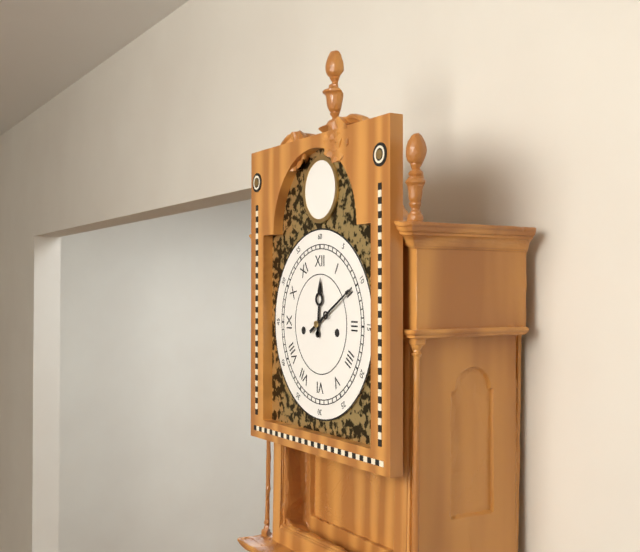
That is 12:10
